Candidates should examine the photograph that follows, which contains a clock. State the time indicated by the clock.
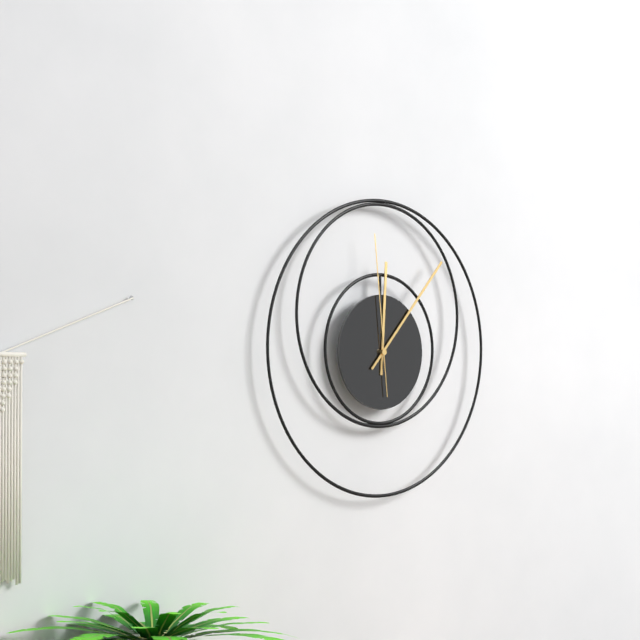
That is 12:07:59
